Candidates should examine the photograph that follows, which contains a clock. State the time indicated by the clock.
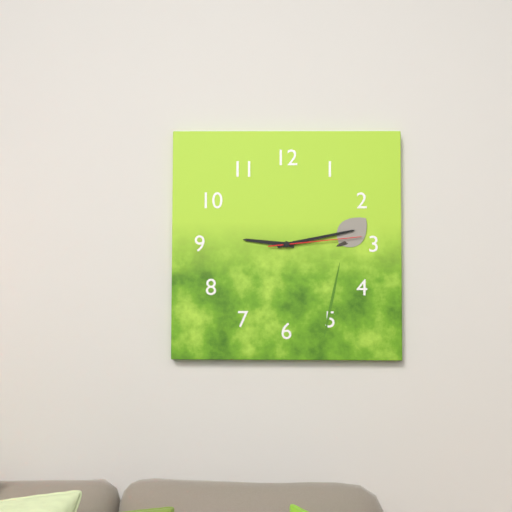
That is 9:13:14
